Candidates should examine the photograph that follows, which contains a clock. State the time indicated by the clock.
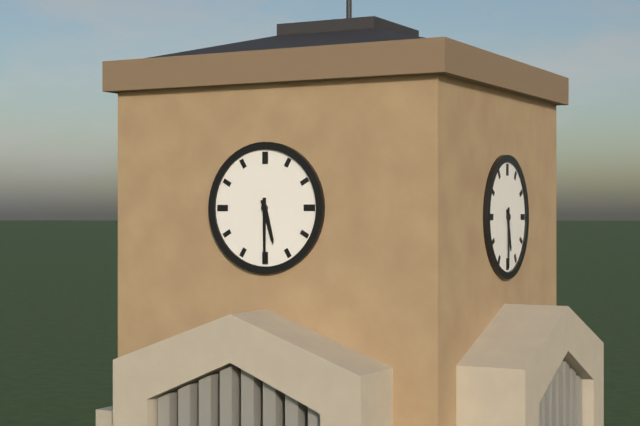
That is 5:30
